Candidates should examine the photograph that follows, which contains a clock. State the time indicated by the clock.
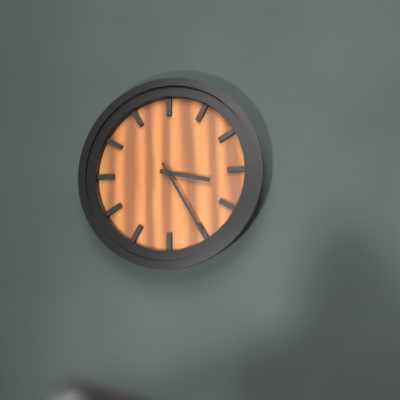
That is 3:25
